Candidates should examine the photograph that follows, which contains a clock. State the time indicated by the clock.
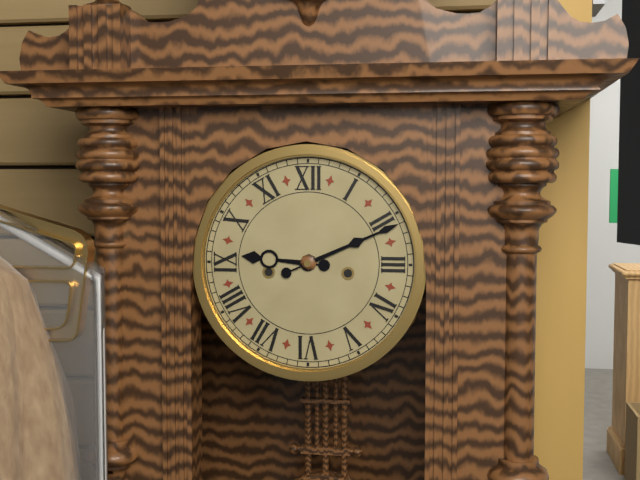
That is 9:11
